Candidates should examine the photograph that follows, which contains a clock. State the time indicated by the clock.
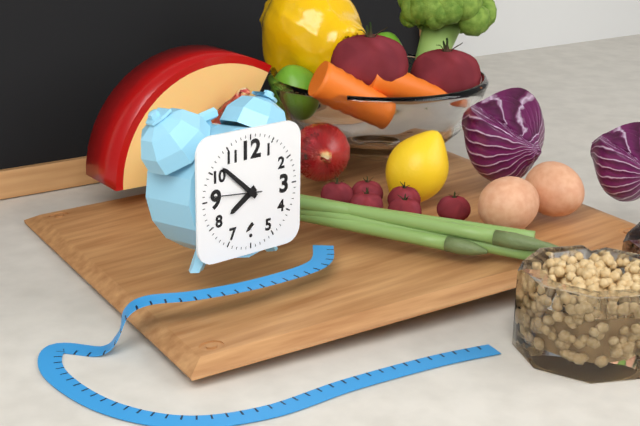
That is 7:52:46
